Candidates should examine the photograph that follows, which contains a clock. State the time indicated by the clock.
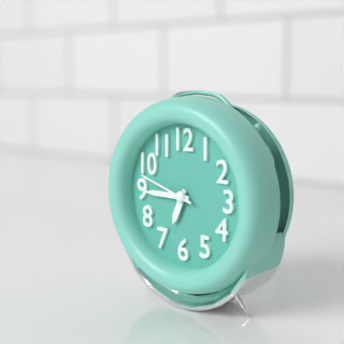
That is 6:45:48
